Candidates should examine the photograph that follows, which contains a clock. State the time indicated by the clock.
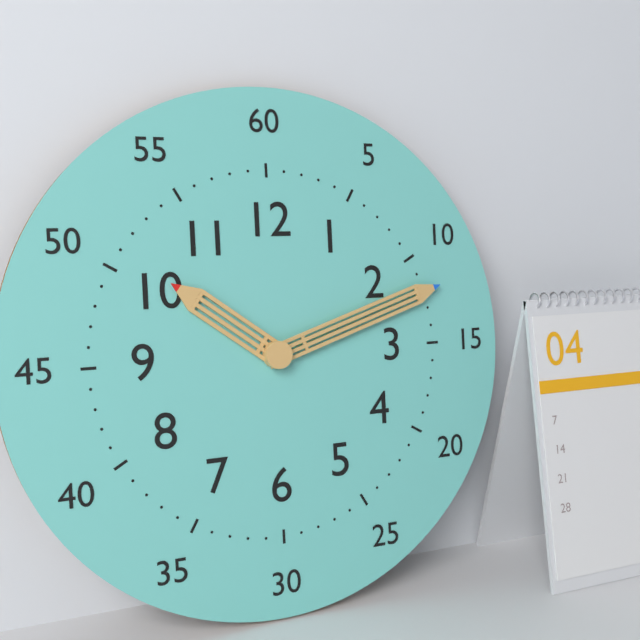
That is 10:12
